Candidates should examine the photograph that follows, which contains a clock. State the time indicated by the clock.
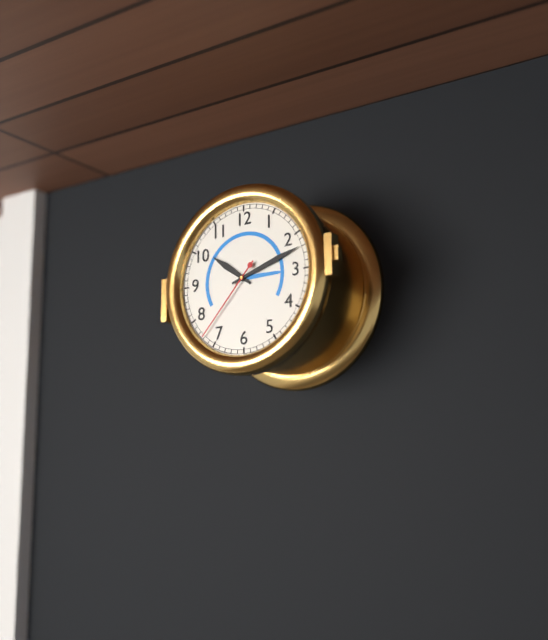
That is 10:12:37
